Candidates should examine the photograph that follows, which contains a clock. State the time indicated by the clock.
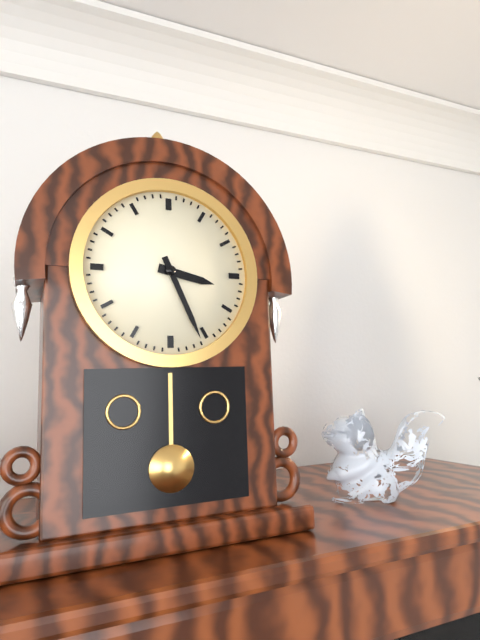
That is 3:26
